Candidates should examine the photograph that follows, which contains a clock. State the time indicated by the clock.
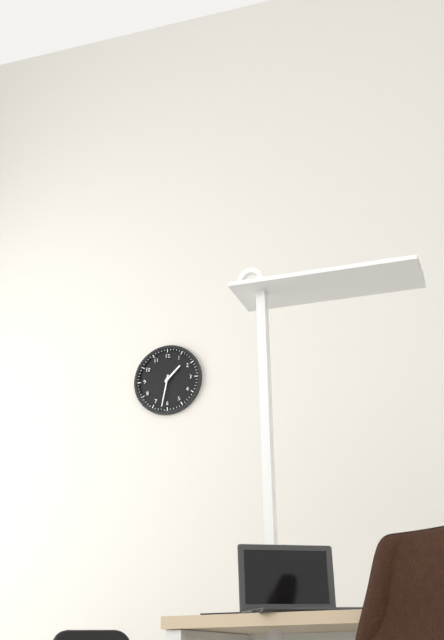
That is 1:32
